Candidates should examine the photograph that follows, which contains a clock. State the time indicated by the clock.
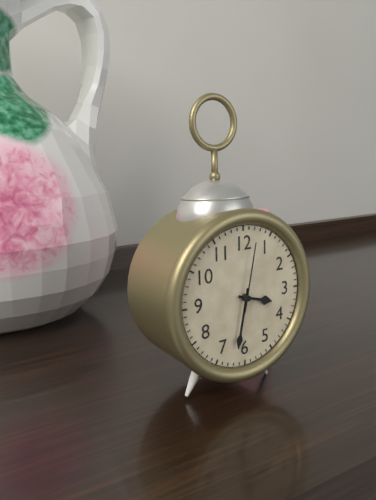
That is 3:32:02
